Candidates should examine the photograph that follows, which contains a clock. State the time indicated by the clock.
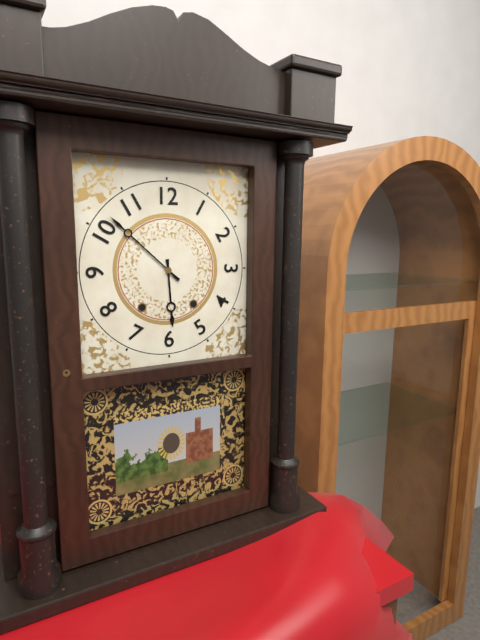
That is 5:52
